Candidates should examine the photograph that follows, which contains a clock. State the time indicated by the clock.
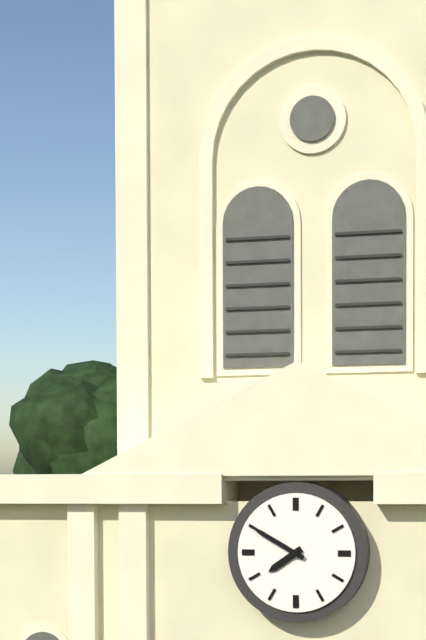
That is 7:50
